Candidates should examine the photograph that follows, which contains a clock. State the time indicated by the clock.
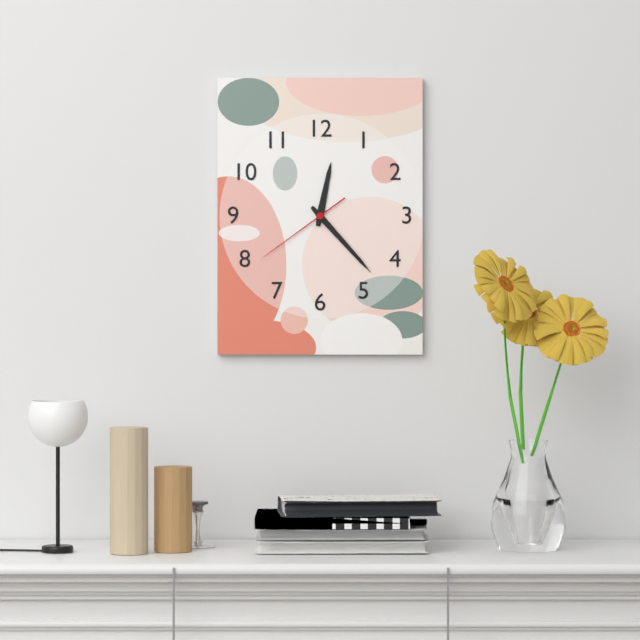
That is 12:23:39
